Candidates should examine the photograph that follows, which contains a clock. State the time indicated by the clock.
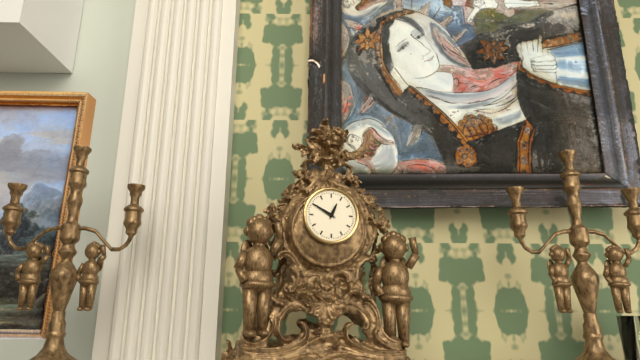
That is 12:50
